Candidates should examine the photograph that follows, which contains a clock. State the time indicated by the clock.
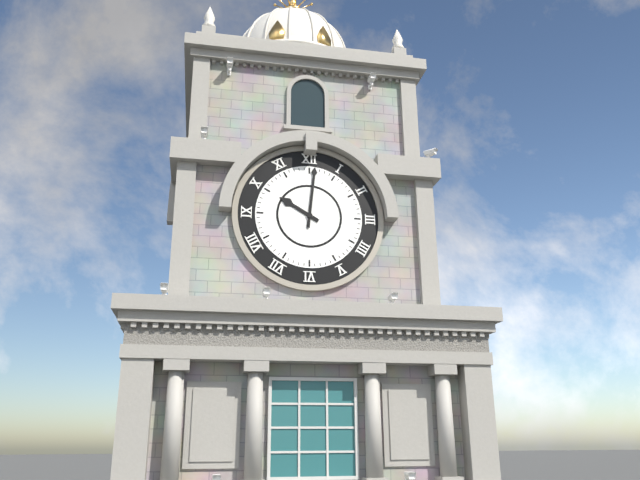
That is 10:01
